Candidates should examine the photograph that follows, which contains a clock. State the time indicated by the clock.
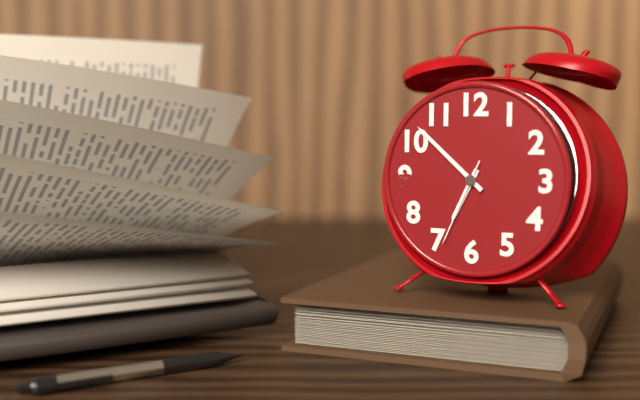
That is 6:52:34
